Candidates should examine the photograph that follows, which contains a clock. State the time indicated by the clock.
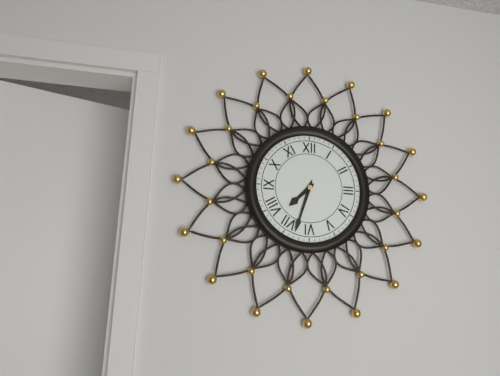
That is 7:33
